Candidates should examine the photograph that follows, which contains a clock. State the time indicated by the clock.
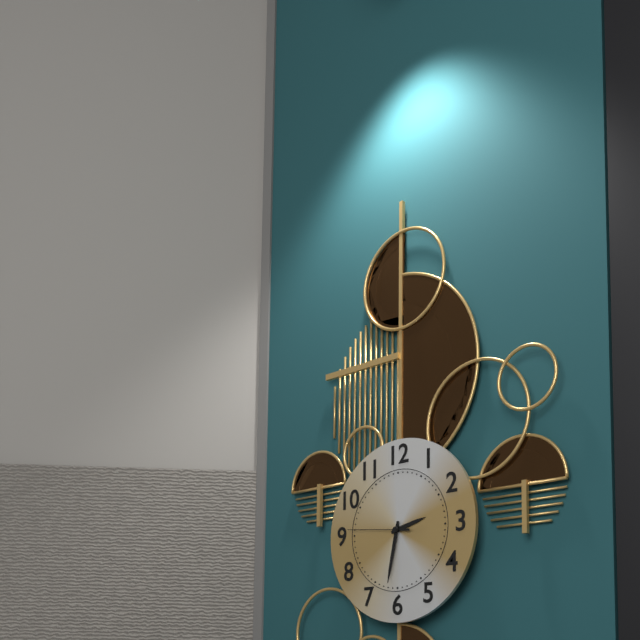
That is 2:32:46
